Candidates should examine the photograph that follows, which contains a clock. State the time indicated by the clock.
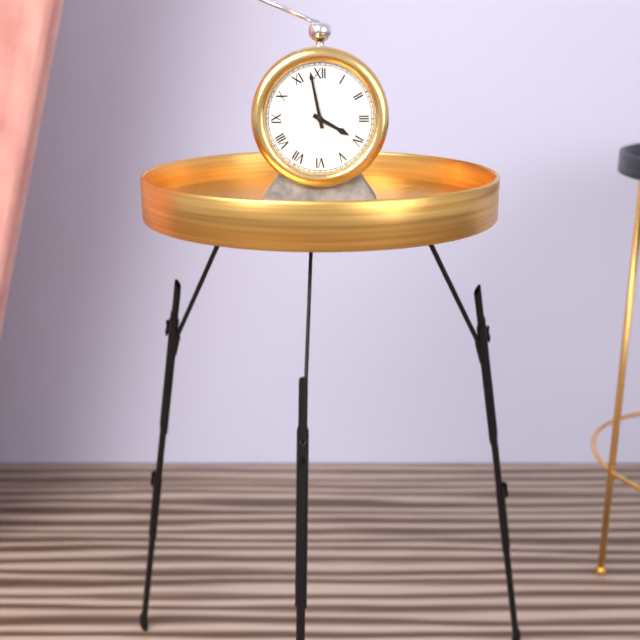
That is 3:58
